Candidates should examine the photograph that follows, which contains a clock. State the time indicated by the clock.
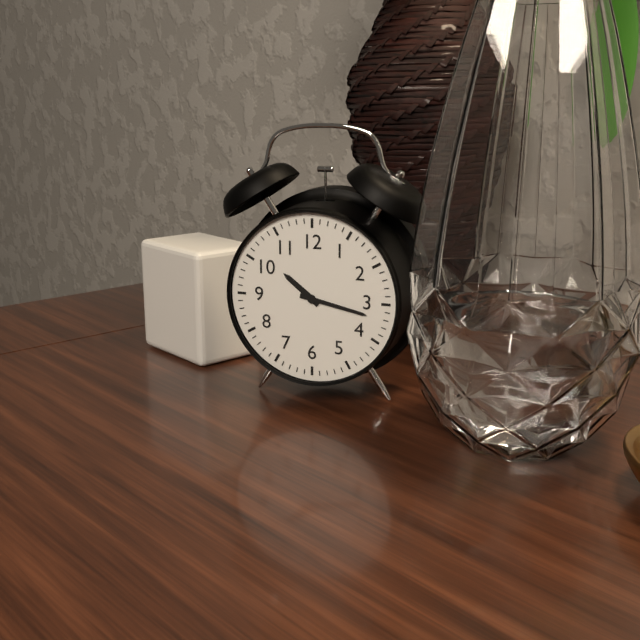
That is 10:17
